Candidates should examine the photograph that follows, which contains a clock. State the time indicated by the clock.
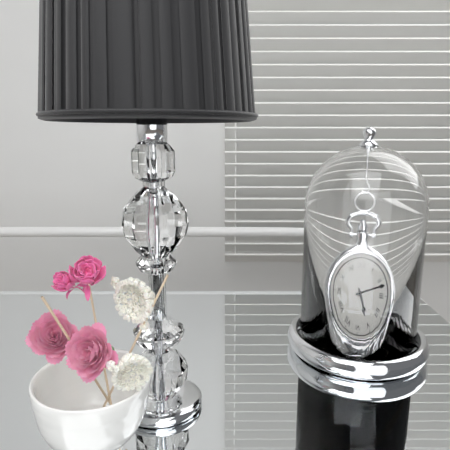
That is 5:12
